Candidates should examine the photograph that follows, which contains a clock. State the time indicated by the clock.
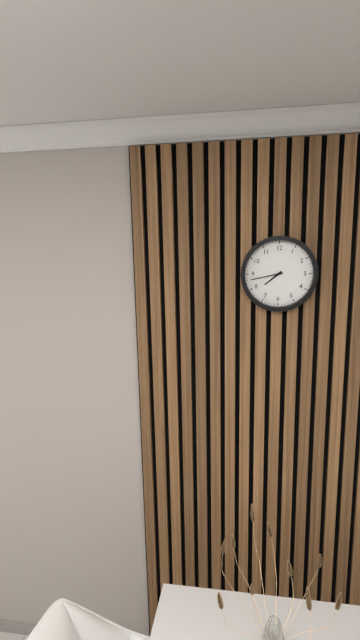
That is 7:43
